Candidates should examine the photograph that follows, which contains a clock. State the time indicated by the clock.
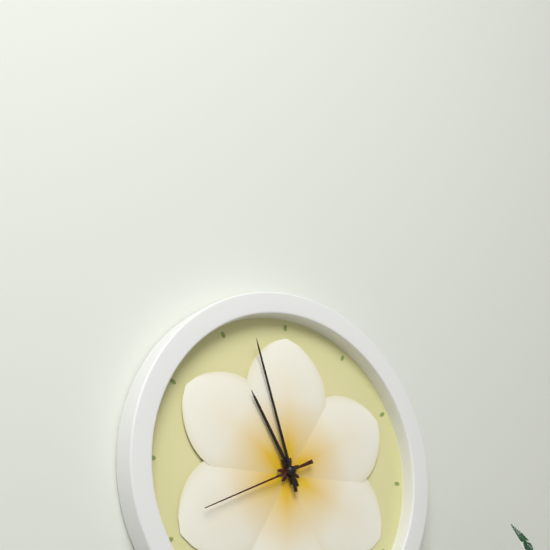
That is 10:57:41
